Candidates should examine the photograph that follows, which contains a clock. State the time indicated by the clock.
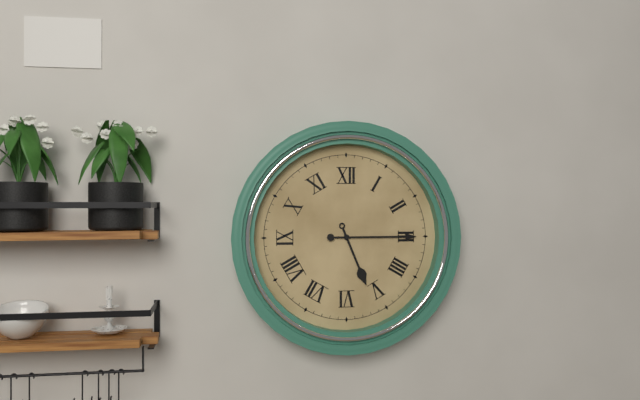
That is 5:15
